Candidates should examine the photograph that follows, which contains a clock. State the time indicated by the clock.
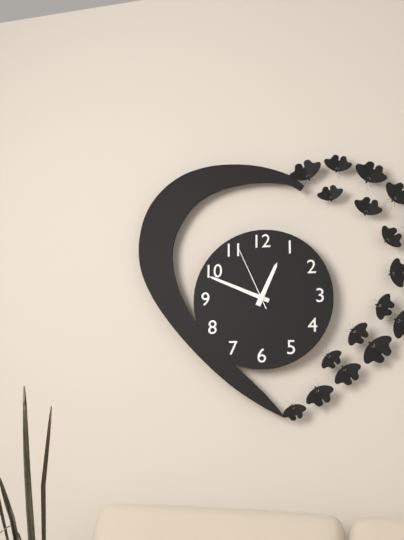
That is 12:49:56
